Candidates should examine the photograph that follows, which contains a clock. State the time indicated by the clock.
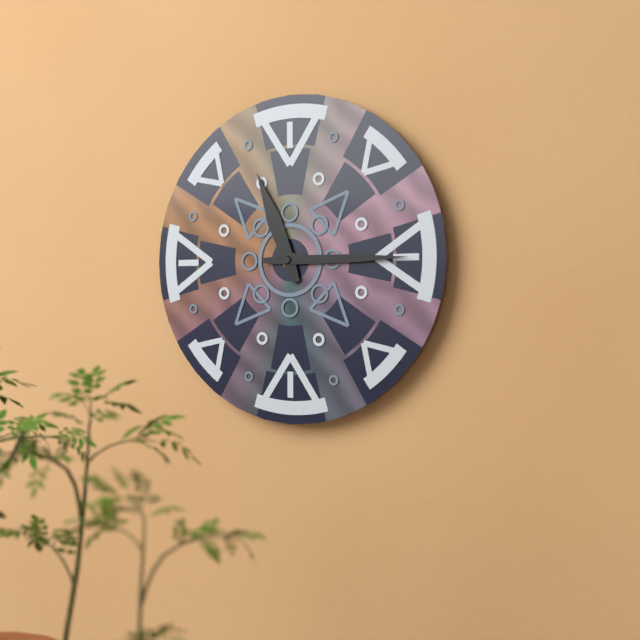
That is 11:15
